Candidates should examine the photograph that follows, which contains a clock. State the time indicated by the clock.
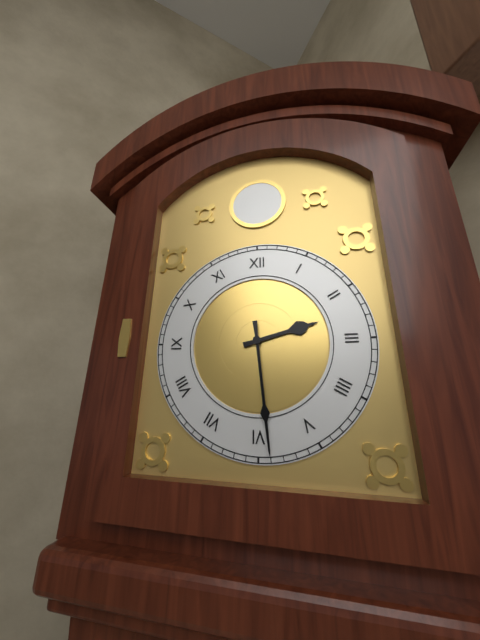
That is 2:29
